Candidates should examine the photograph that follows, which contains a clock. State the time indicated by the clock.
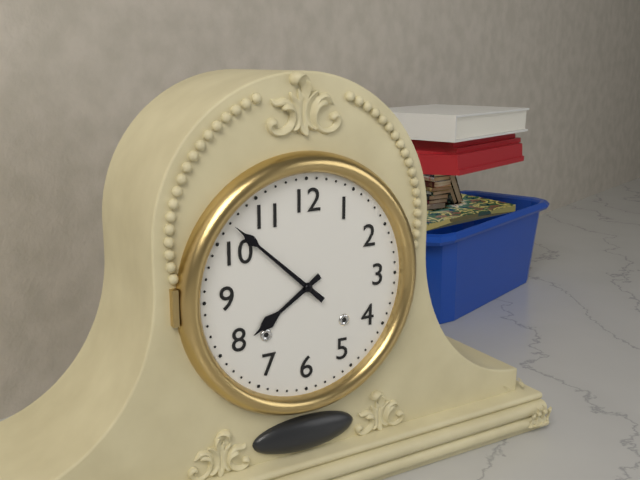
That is 7:52
